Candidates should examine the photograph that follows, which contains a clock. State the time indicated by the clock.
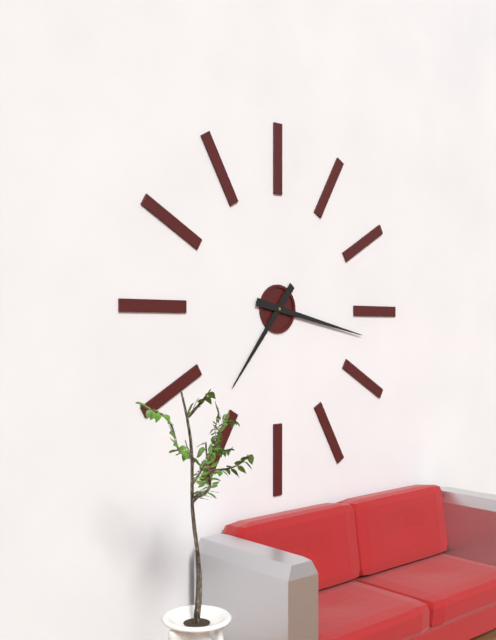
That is 7:17
